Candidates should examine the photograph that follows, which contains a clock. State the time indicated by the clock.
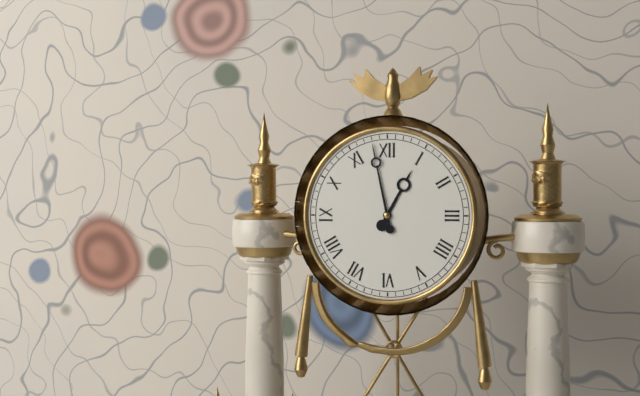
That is 12:58
